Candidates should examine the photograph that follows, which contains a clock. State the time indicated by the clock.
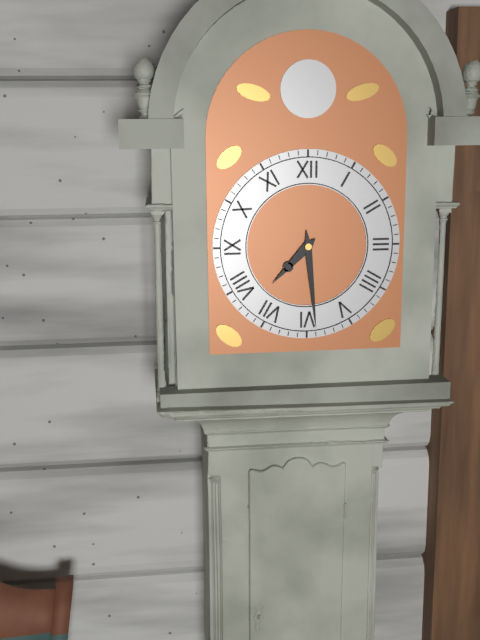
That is 7:29
